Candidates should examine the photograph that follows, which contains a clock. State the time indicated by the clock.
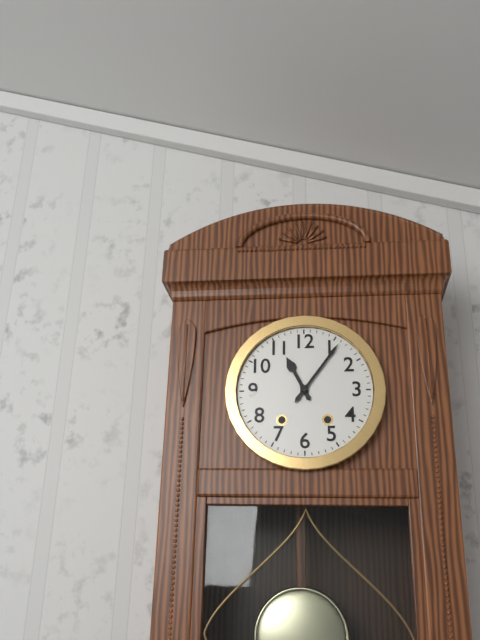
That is 11:06
